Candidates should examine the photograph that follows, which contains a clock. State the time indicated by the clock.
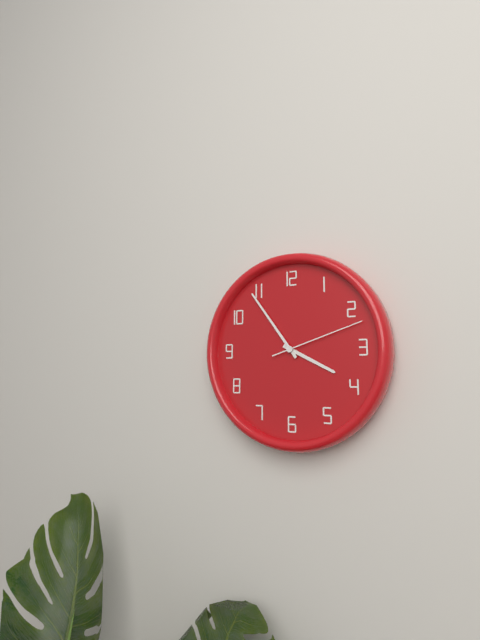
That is 3:54:12
